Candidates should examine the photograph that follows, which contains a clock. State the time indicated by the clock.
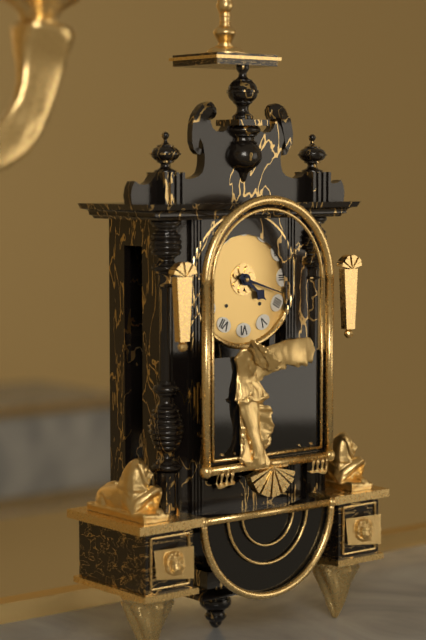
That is 4:18
